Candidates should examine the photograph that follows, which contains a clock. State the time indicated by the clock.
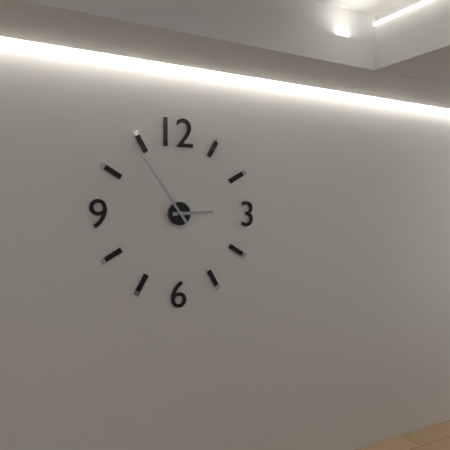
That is 2:54
